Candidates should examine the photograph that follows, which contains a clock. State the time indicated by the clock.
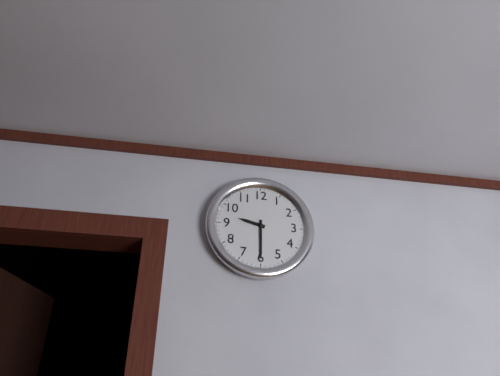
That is 9:30
